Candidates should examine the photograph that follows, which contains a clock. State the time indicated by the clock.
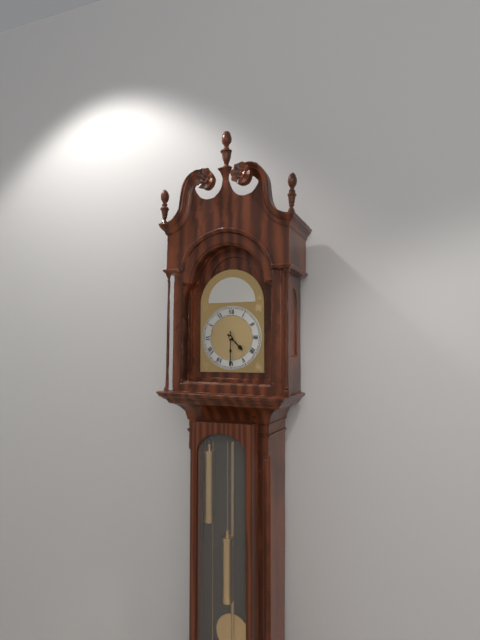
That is 4:30
